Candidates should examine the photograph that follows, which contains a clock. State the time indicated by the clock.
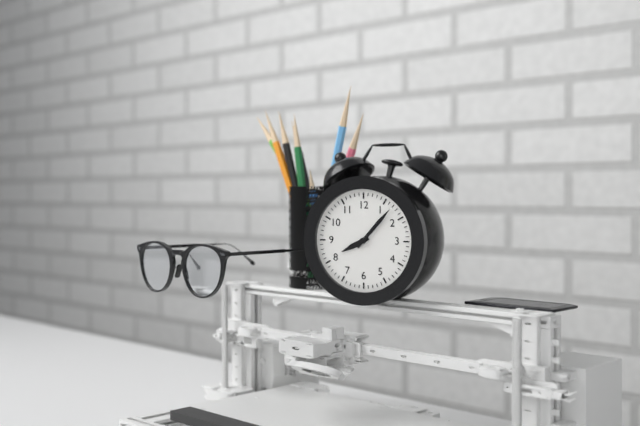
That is 8:07
